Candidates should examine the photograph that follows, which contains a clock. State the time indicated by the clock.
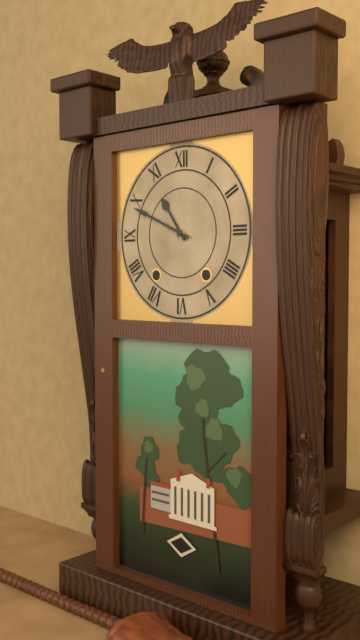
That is 10:49
